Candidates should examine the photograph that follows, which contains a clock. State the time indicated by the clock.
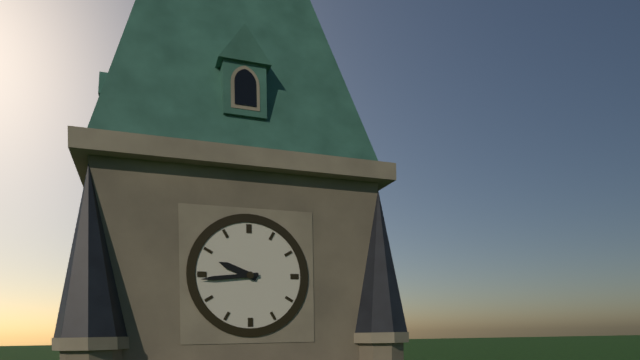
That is 9:44
